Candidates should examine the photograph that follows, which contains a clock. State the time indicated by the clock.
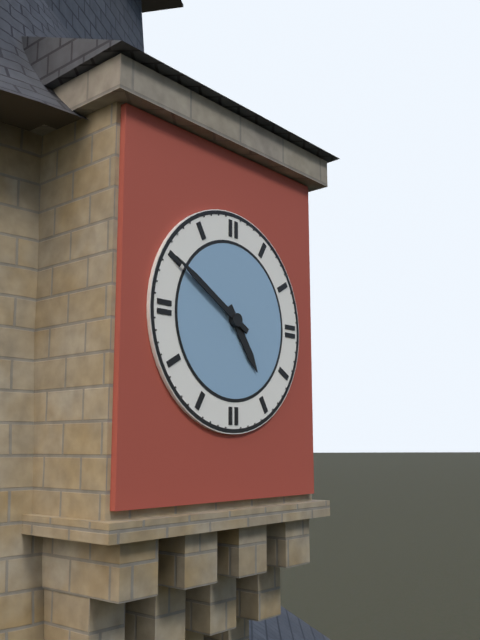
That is 4:50
